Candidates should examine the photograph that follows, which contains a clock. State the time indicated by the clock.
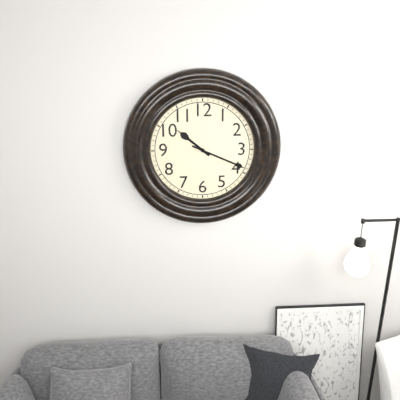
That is 10:19
